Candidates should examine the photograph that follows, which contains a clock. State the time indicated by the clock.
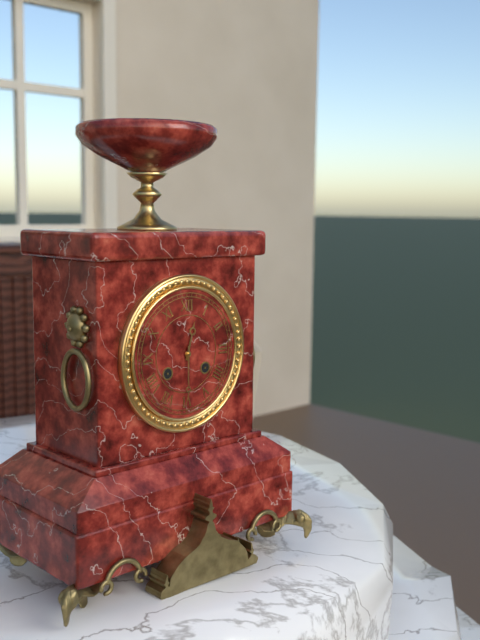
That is 12:30
